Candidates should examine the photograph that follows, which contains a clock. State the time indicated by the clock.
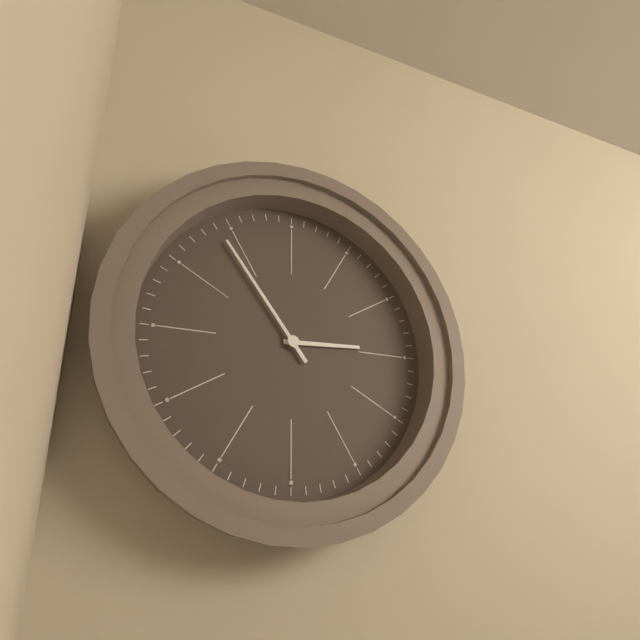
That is 2:54
